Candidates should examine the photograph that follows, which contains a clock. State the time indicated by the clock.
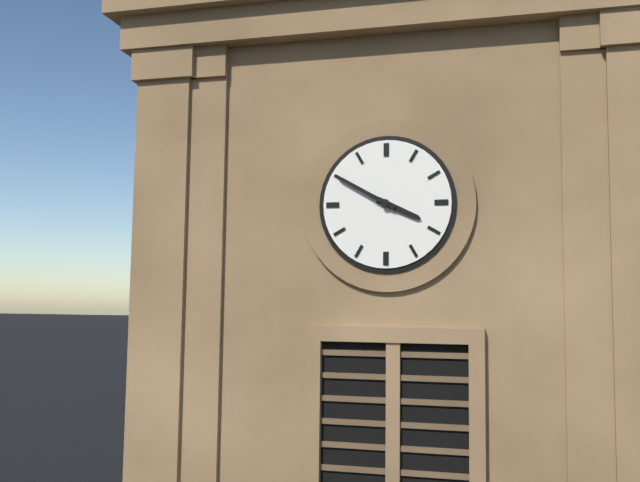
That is 3:50
